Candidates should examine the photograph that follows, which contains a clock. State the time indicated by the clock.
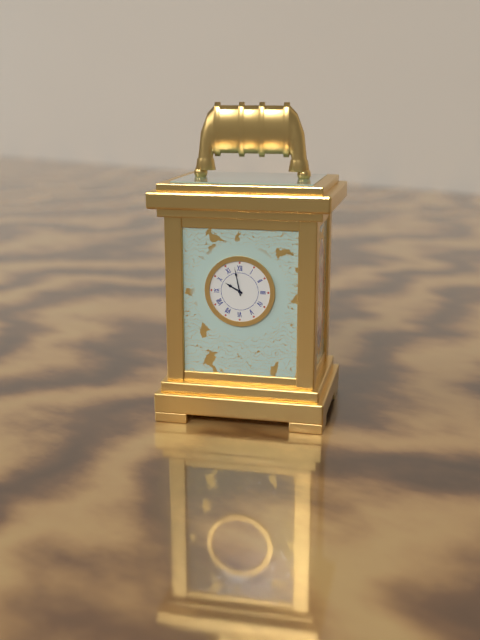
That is 9:58
